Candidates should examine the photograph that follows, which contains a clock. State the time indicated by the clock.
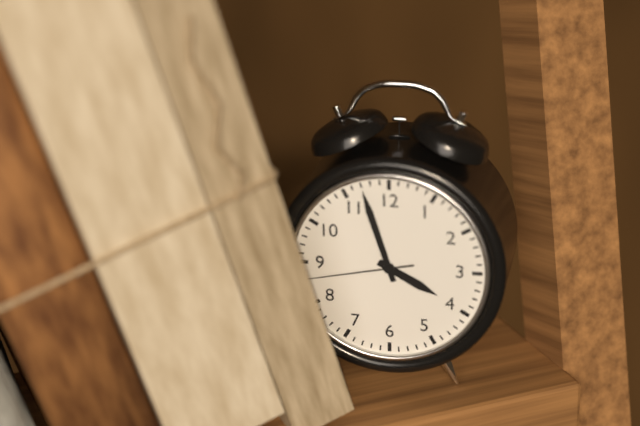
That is 3:57:43
